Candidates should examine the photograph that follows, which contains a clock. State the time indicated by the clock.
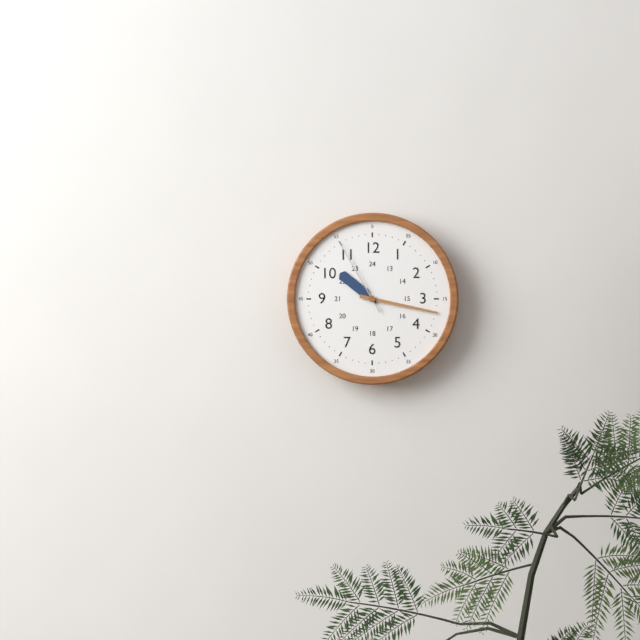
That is 10:17:55
